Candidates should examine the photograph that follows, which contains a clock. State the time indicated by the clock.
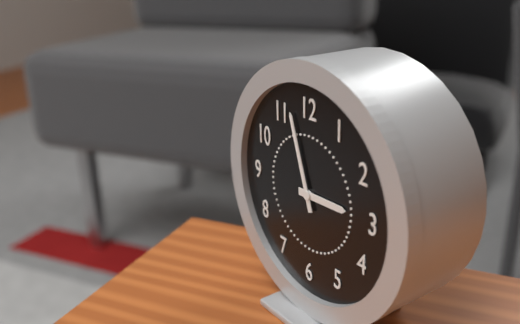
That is 2:57
